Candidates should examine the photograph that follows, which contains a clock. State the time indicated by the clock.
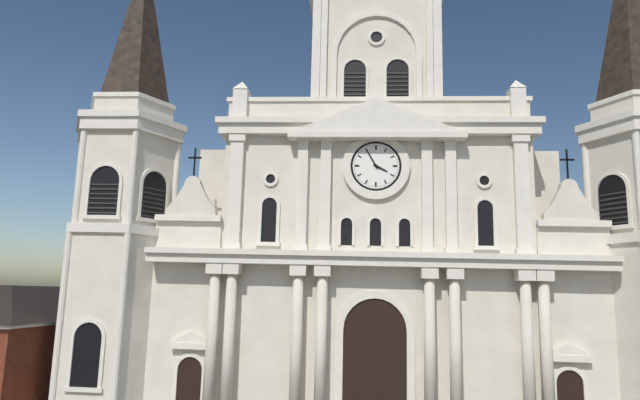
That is 3:55
